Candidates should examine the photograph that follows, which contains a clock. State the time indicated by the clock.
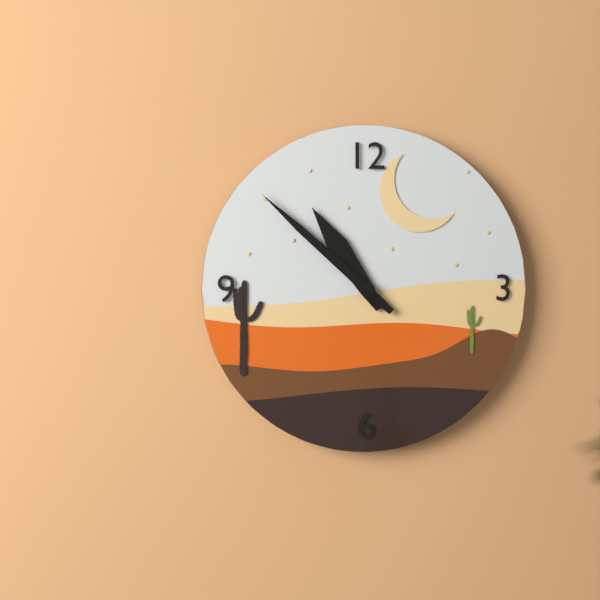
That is 10:52
